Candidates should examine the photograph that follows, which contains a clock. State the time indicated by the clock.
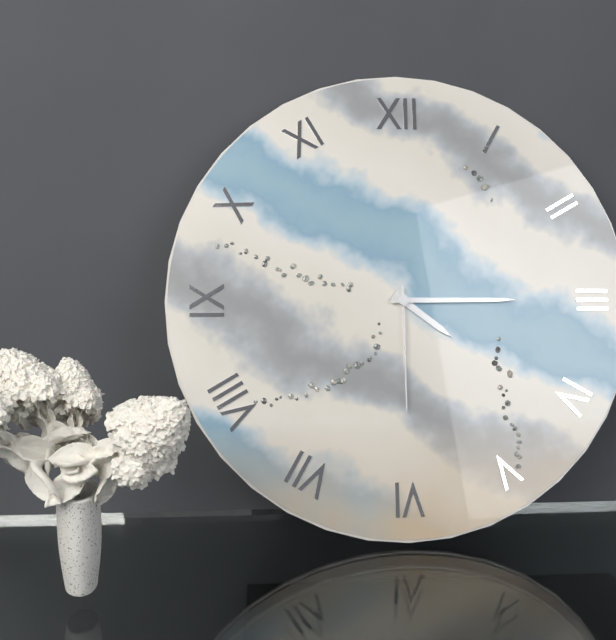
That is 4:15:30
